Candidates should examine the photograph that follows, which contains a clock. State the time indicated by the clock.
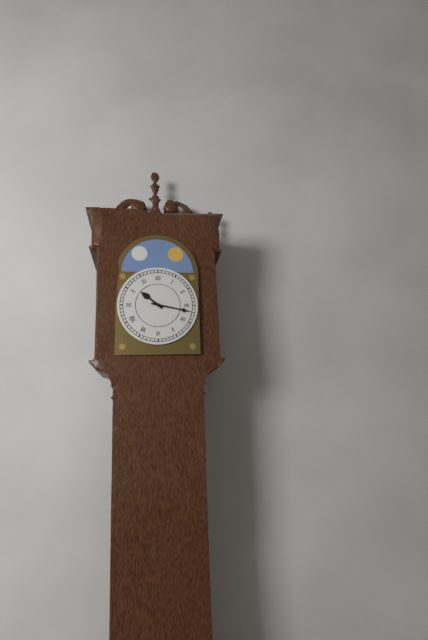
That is 10:17
